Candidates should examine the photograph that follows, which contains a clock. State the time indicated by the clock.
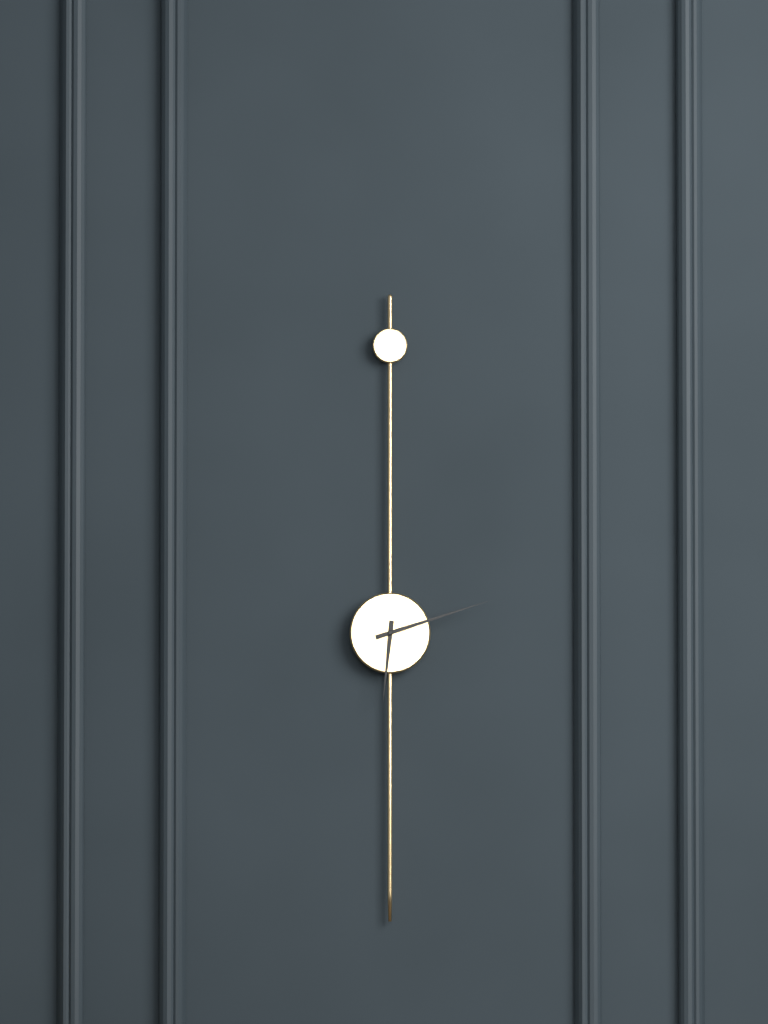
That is 6:12
